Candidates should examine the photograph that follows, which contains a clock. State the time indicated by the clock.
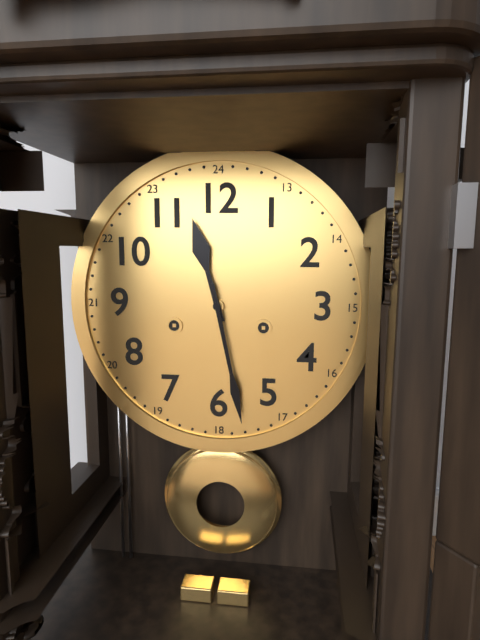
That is 11:28
